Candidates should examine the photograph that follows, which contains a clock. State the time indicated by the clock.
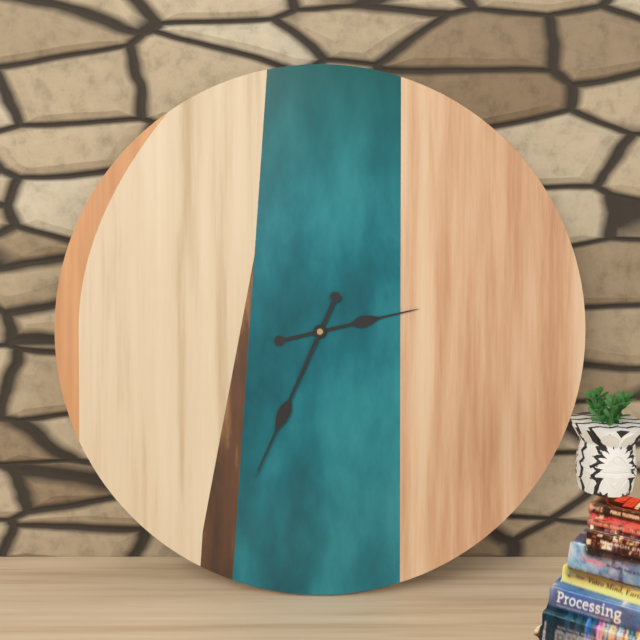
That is 2:34
